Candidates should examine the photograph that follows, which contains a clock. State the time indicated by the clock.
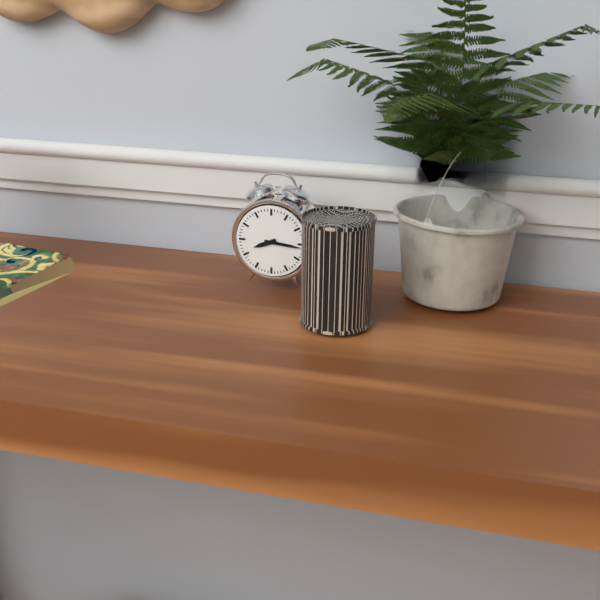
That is 8:16
